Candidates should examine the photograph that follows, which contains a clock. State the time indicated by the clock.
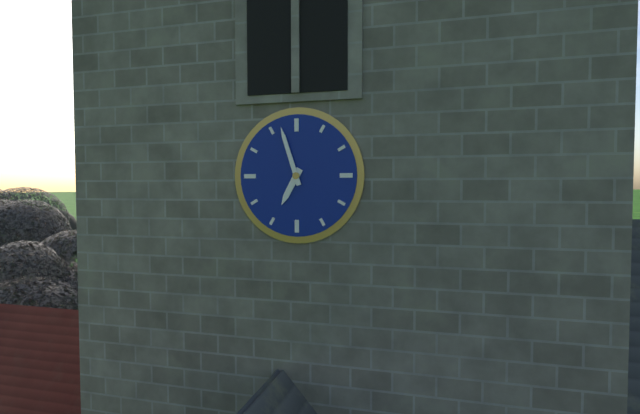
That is 6:57
